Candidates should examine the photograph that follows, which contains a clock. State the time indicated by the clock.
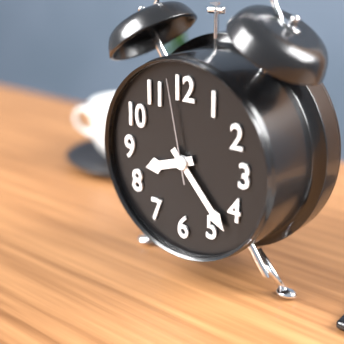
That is 8:23:58
